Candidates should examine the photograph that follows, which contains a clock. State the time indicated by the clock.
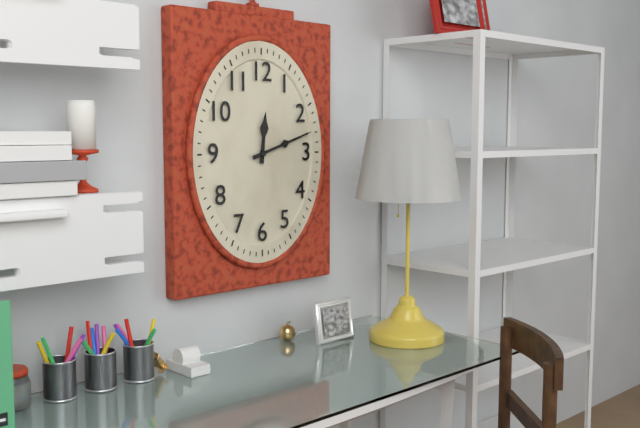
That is 12:12
